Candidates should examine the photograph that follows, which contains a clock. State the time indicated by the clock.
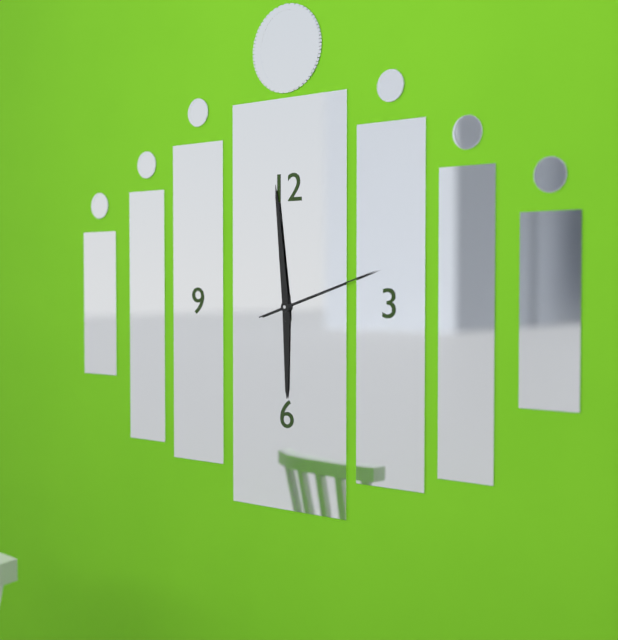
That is 5:59:12
